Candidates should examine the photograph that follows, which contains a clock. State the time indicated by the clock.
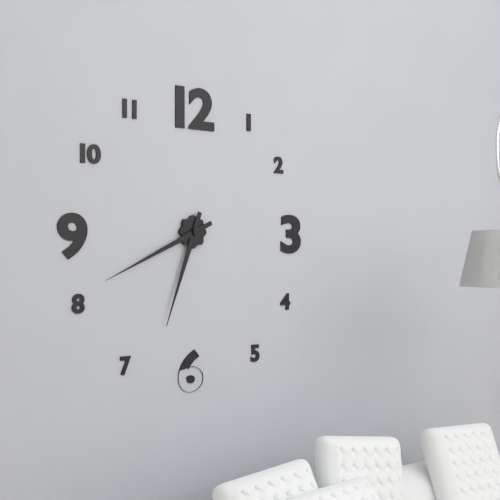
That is 6:41
